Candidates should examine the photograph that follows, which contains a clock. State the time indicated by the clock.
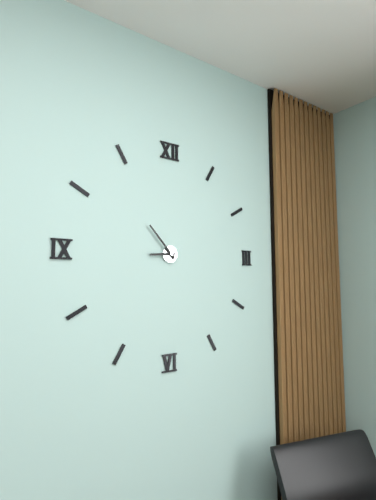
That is 8:53
